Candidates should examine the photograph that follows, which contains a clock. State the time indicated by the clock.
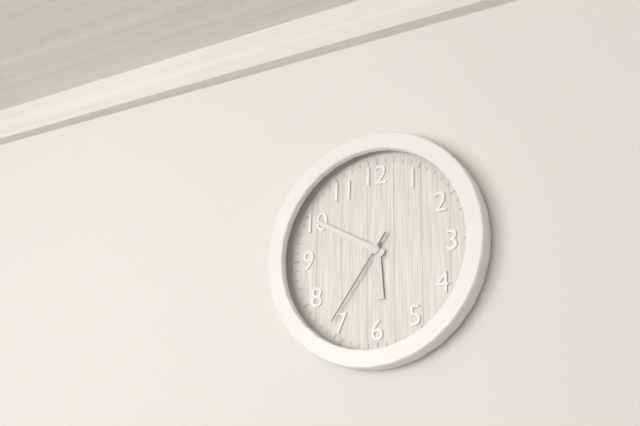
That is 5:50:36
